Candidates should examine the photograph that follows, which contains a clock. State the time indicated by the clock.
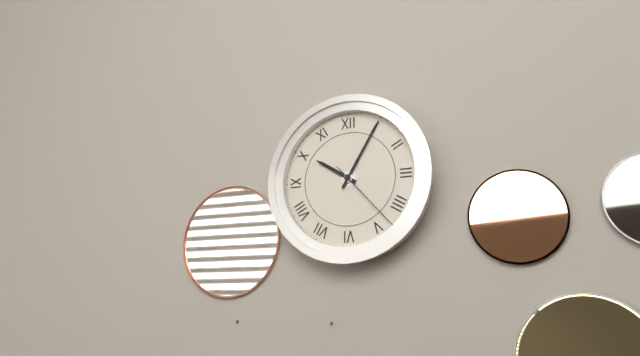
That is 10:05:23
